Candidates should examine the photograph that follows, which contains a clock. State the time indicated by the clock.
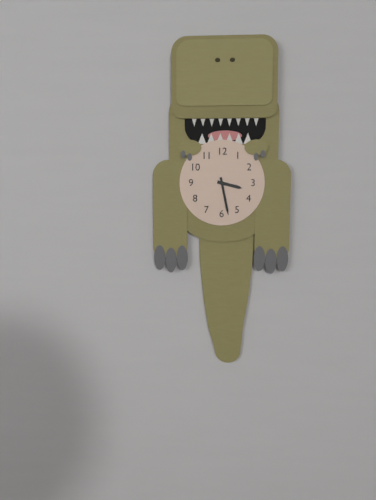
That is 3:28
